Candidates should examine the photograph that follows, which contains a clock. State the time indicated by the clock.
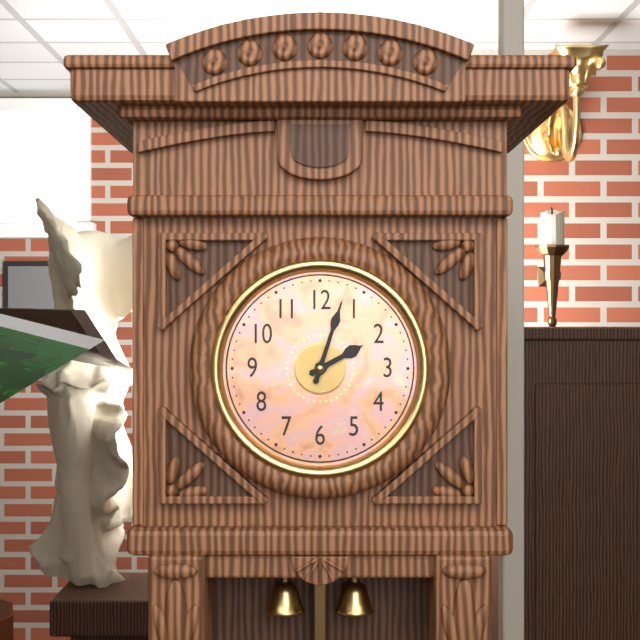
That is 2:03
